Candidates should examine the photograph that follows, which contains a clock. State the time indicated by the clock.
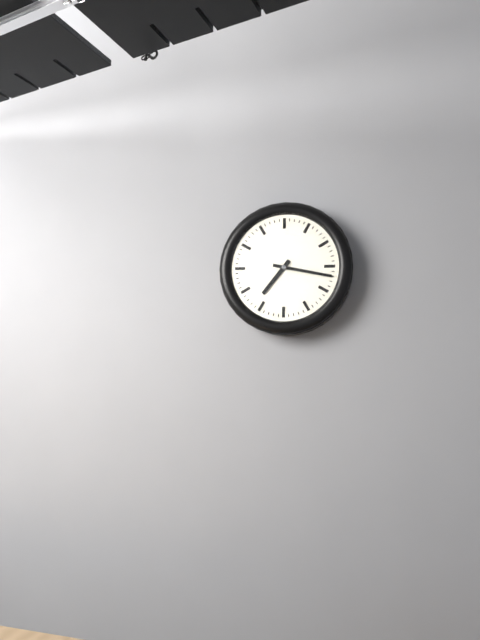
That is 7:17
